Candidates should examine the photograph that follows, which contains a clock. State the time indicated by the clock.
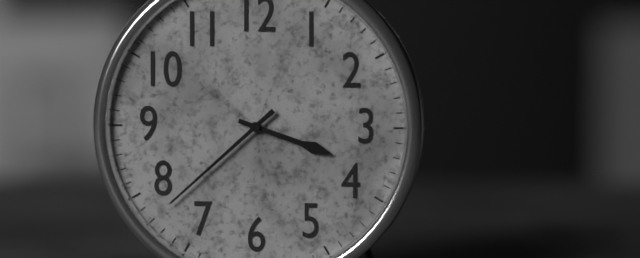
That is 3:38
